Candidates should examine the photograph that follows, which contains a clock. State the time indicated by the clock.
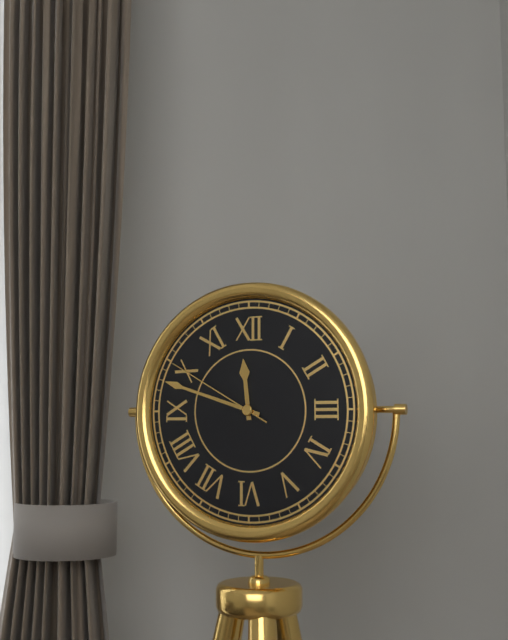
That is 11:48:50
